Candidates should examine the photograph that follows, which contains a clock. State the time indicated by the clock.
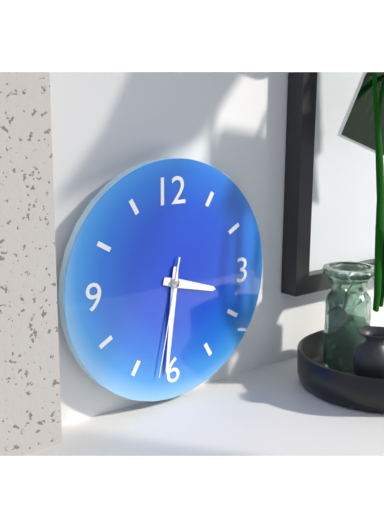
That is 3:31:32
